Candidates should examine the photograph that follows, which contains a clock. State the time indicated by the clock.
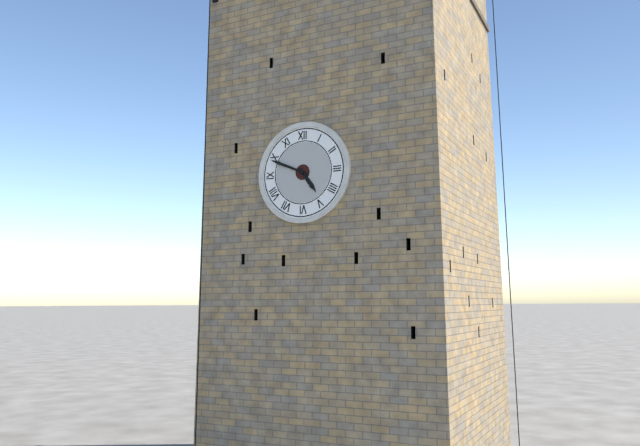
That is 4:49
